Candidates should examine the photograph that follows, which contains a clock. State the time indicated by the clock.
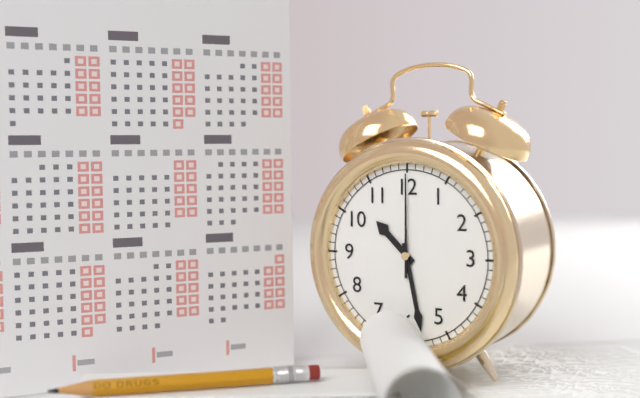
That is 10:28:00
